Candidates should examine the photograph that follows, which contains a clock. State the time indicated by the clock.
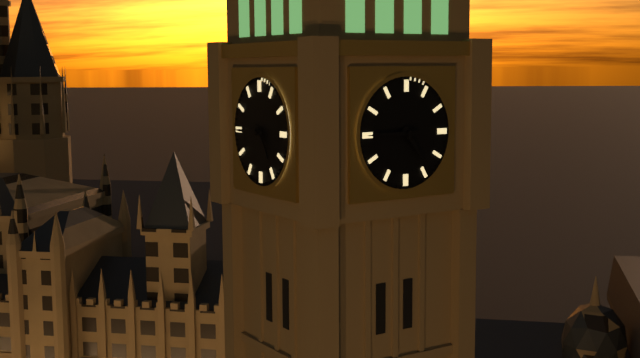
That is 4:45
